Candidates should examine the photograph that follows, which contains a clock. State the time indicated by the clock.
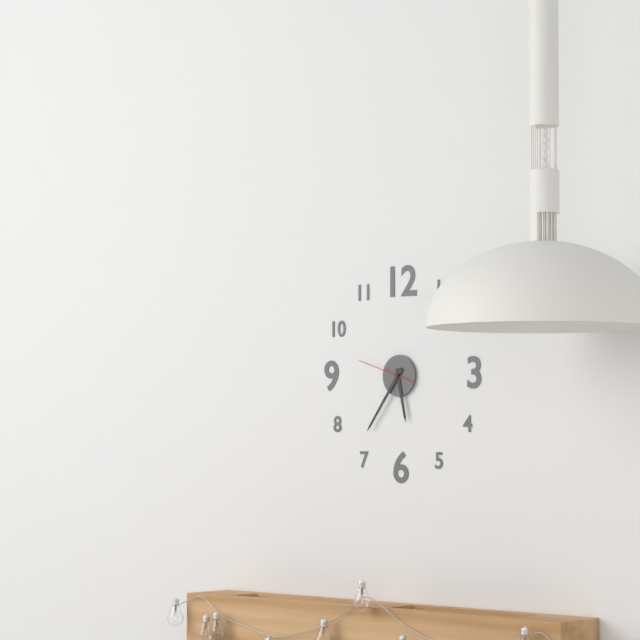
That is 5:36:48
